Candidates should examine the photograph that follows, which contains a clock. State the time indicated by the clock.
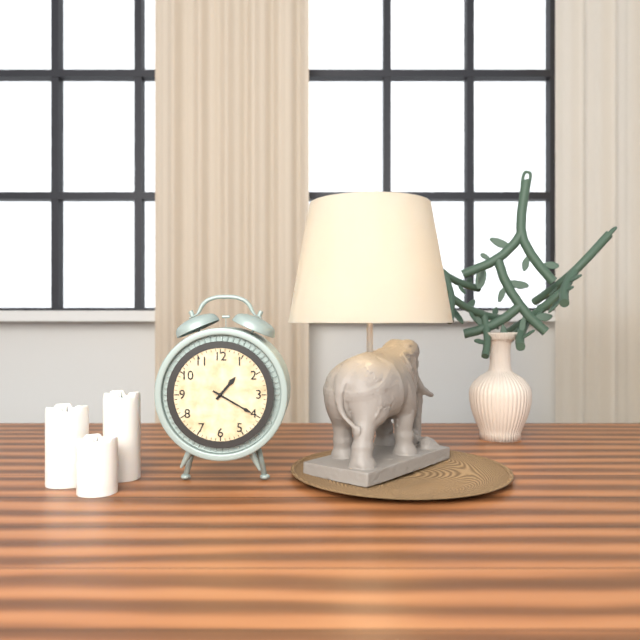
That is 1:20
